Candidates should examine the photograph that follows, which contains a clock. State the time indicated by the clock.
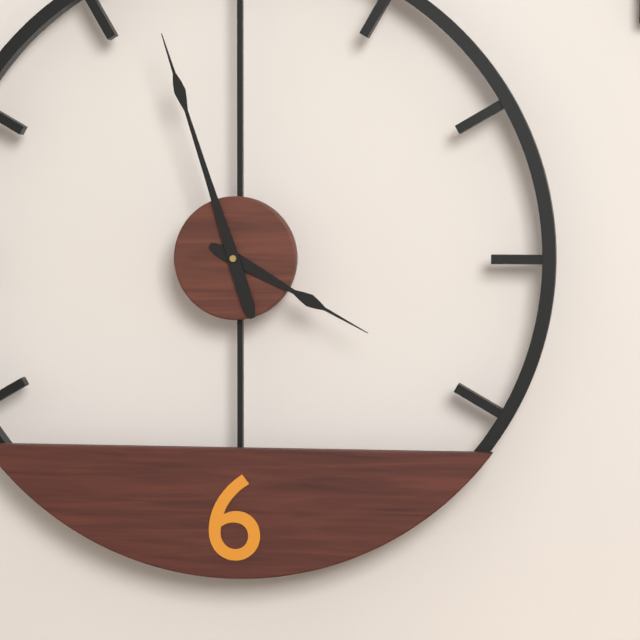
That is 3:57
